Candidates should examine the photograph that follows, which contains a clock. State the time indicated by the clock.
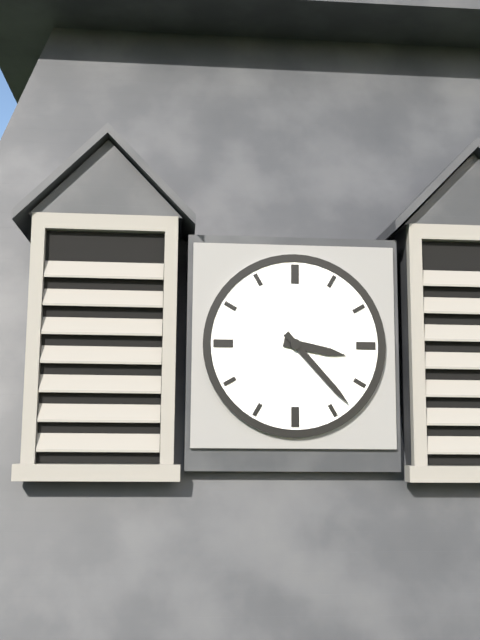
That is 3:23
